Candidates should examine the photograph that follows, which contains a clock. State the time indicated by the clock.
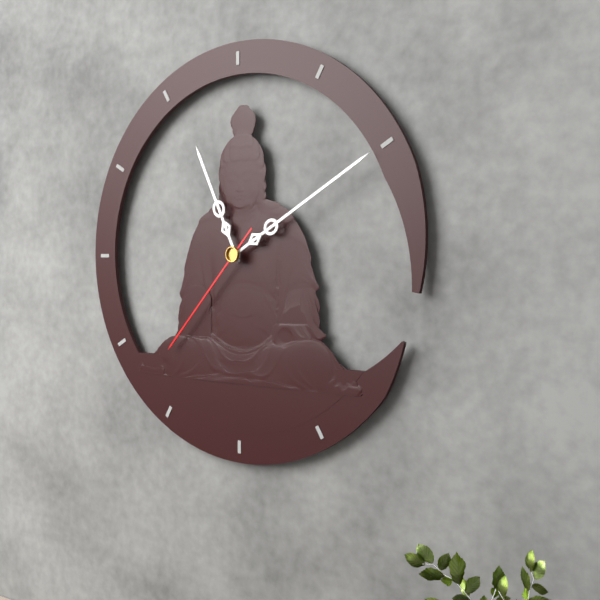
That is 11:10:37
